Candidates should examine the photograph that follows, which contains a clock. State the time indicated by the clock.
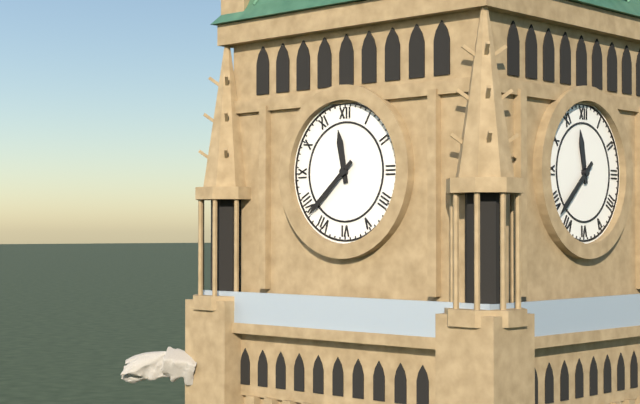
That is 11:38
